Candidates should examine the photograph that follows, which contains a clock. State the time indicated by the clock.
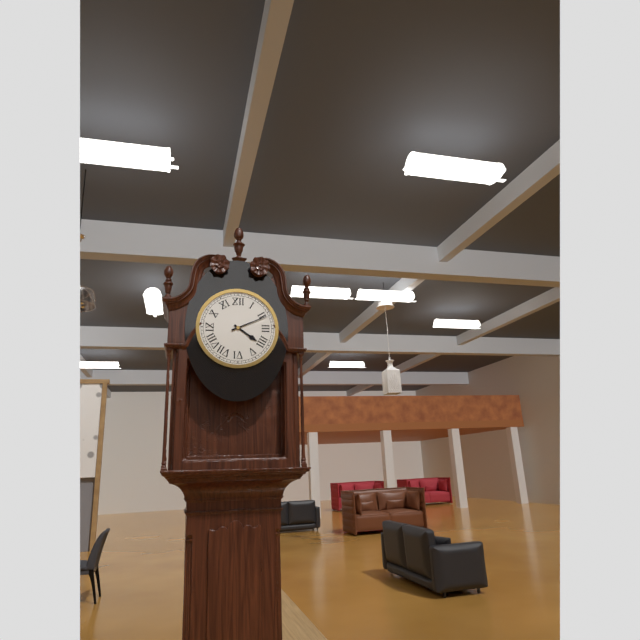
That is 4:11
